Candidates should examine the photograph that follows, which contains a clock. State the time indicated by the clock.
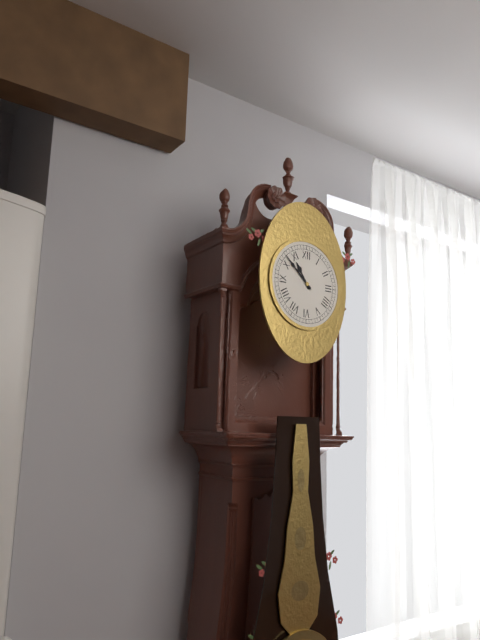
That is 10:52
